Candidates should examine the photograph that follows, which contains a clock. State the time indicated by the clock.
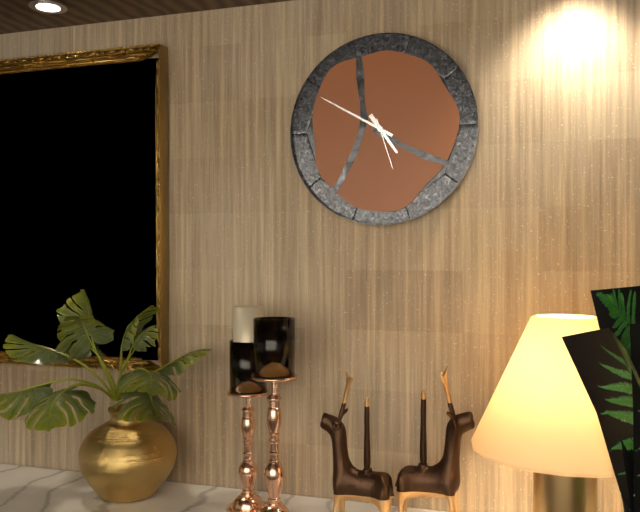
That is 4:50:27
